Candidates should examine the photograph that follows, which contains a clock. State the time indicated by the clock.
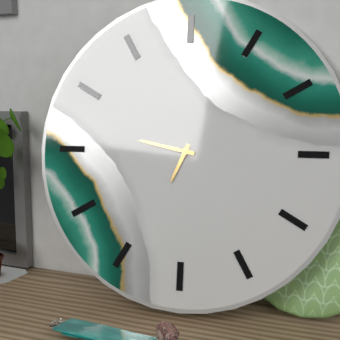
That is 6:47
